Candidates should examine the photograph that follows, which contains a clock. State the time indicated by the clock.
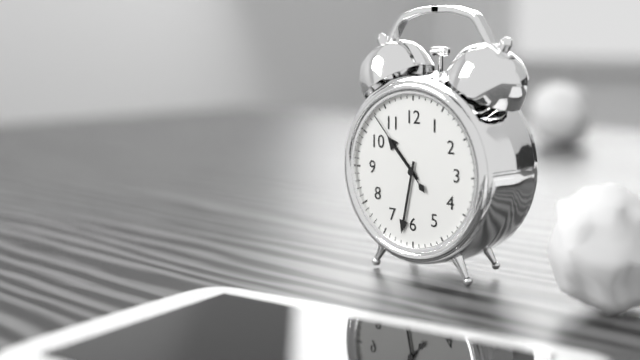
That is 10:32:53
